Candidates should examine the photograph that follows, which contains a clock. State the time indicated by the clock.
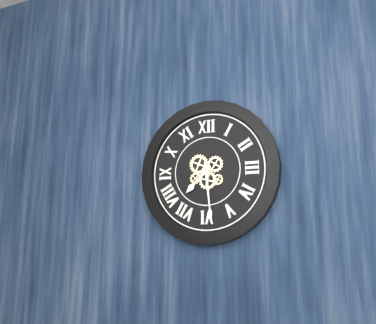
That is 7:29
